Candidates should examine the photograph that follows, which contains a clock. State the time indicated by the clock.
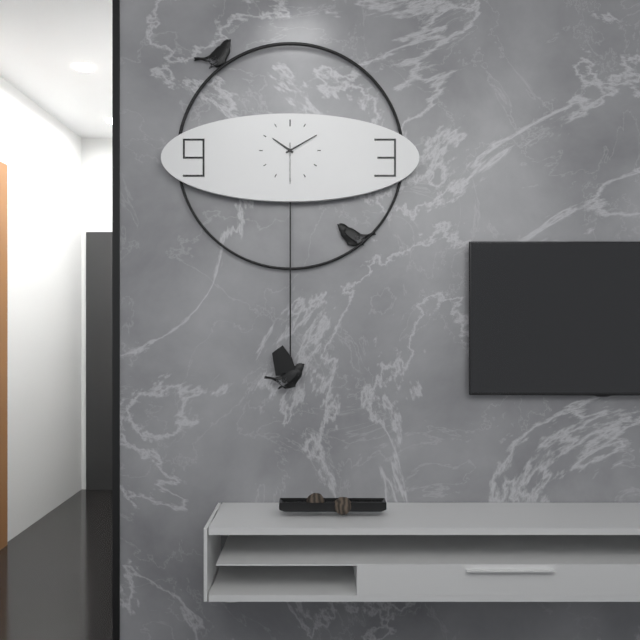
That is 10:10
